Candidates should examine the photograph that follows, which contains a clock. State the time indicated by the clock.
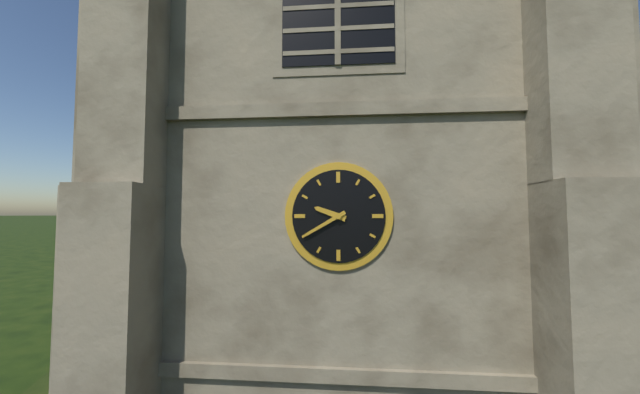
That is 9:40
